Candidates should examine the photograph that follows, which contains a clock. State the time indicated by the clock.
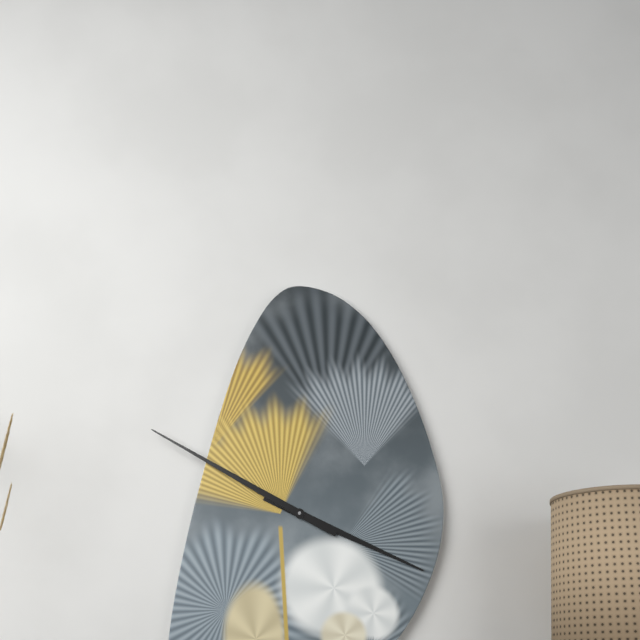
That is 3:50
